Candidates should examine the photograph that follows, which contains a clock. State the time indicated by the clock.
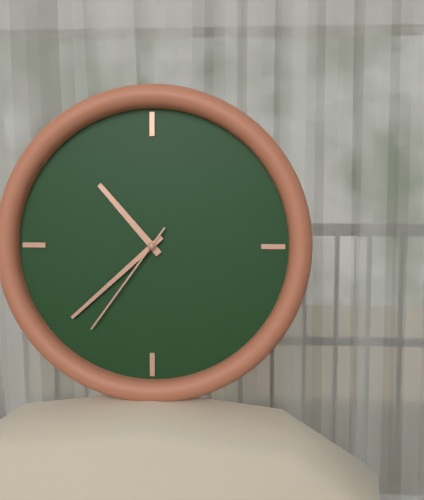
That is 10:38:36
